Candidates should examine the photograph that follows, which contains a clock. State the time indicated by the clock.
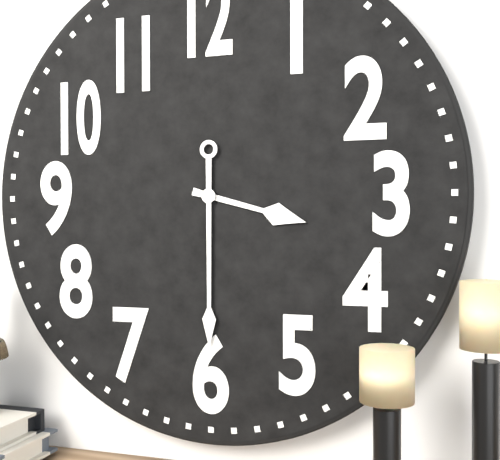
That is 3:30
